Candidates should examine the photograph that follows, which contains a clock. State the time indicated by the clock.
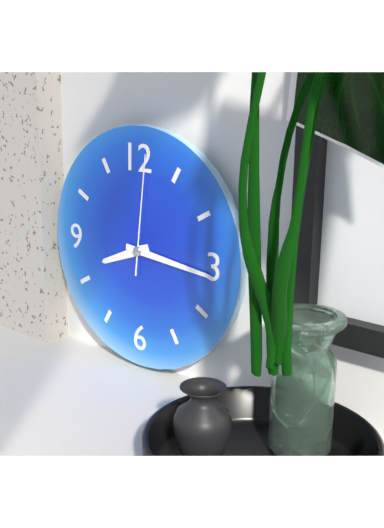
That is 8:16:01
